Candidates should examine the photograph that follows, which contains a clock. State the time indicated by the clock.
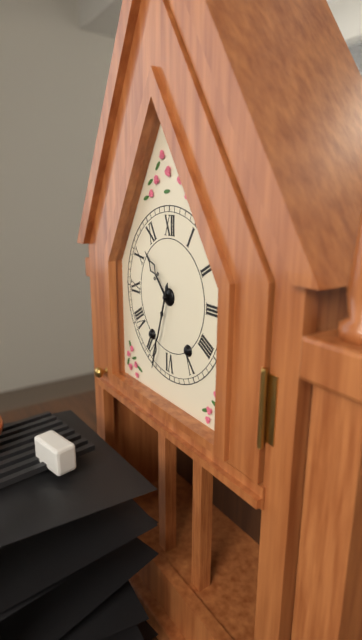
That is 10:33
